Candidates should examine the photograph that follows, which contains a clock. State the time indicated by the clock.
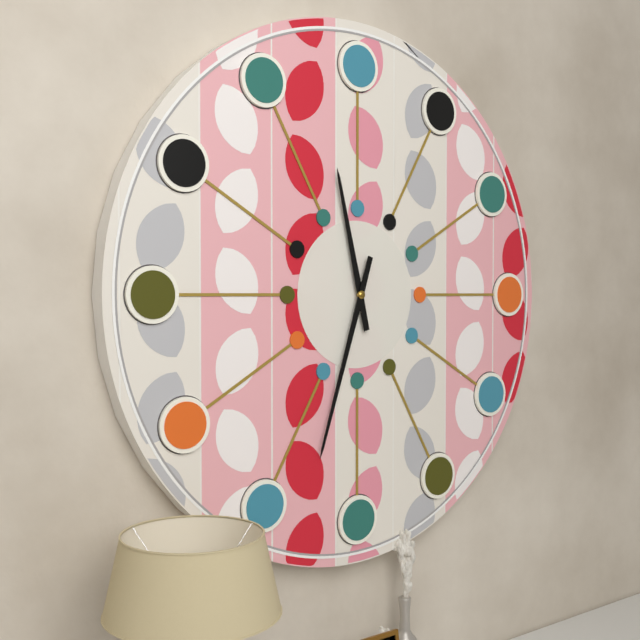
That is 11:33
